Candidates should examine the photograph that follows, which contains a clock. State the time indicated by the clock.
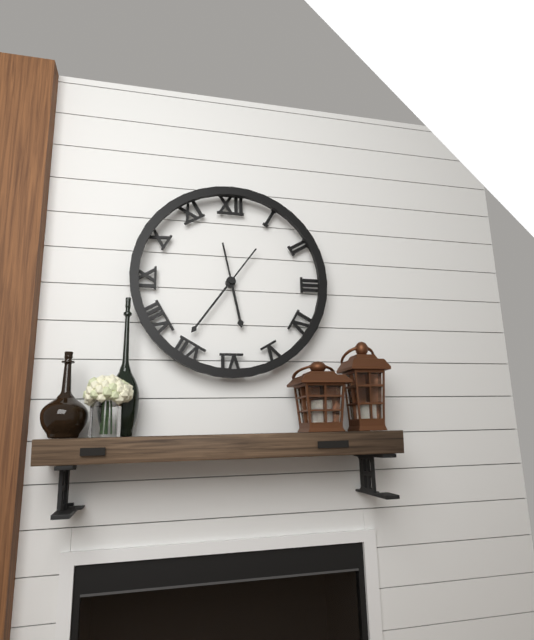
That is 5:36
